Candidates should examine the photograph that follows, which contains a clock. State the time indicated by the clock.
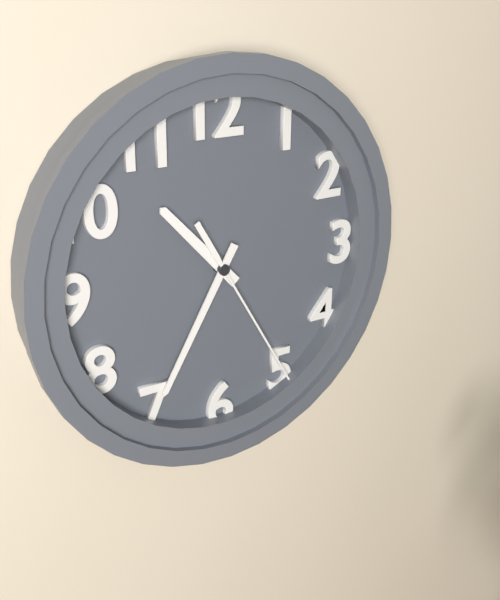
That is 10:35:25
